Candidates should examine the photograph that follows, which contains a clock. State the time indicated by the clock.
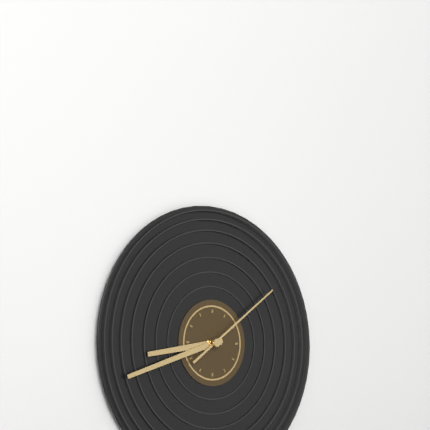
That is 8:42:09
